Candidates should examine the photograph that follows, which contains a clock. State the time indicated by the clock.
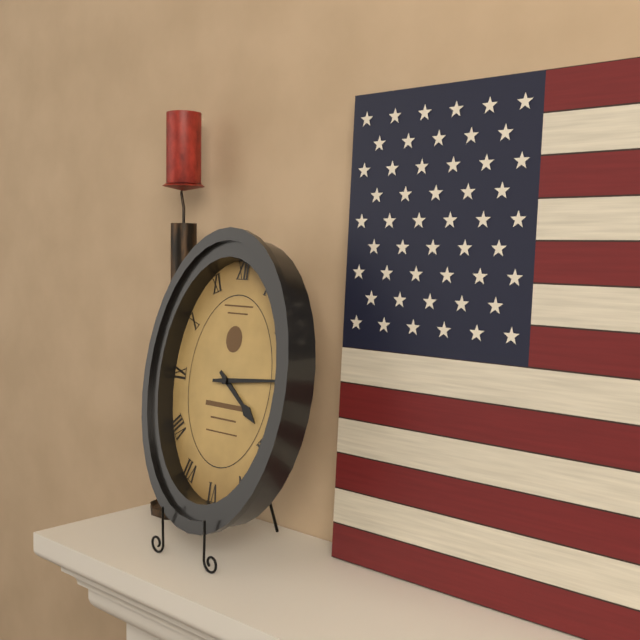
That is 4:14
